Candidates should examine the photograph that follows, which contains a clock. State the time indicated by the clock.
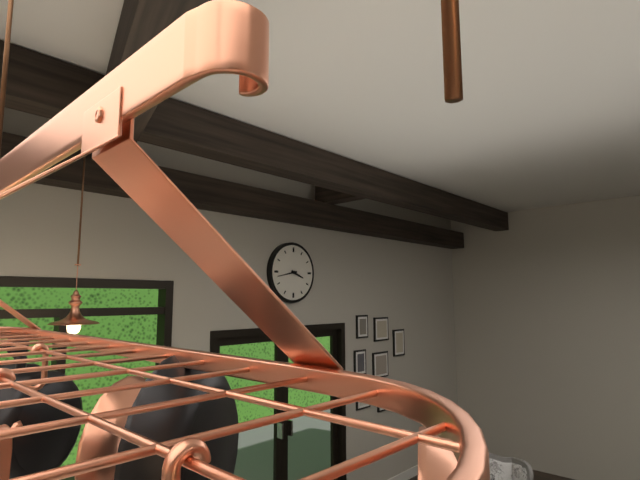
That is 3:43
